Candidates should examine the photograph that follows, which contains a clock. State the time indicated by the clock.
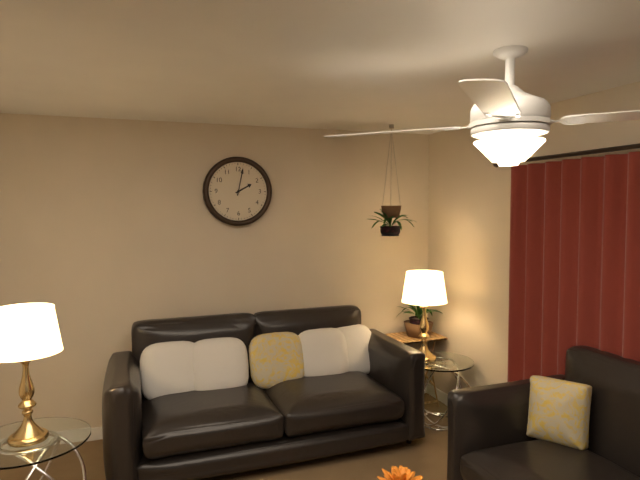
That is 2:02
